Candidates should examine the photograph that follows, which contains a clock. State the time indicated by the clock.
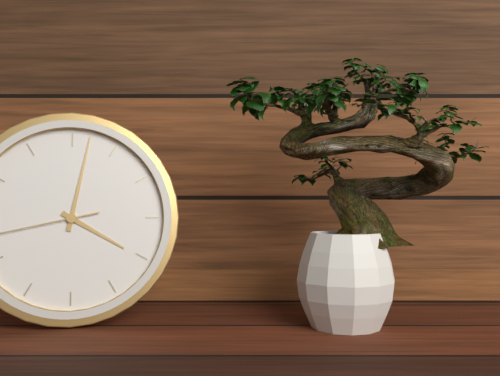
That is 4:02
